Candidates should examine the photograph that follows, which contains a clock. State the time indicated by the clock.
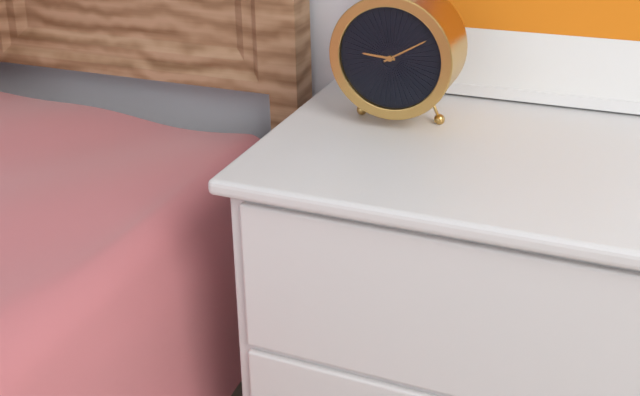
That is 9:10
